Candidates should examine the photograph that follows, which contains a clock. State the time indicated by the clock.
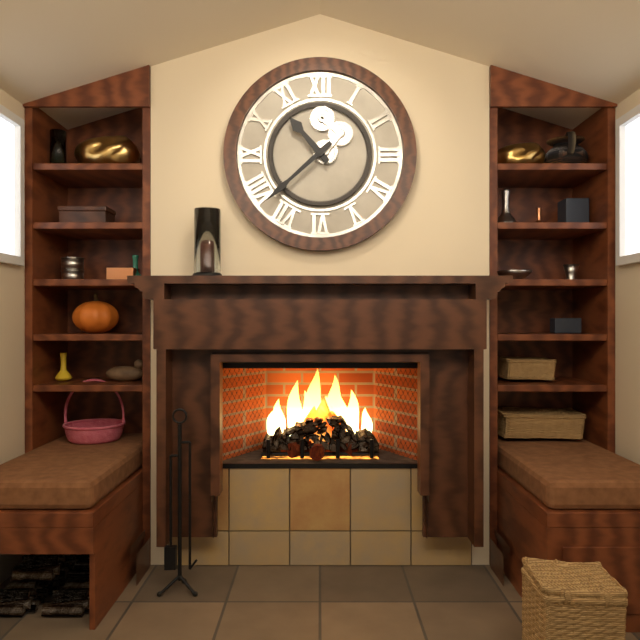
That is 10:38
